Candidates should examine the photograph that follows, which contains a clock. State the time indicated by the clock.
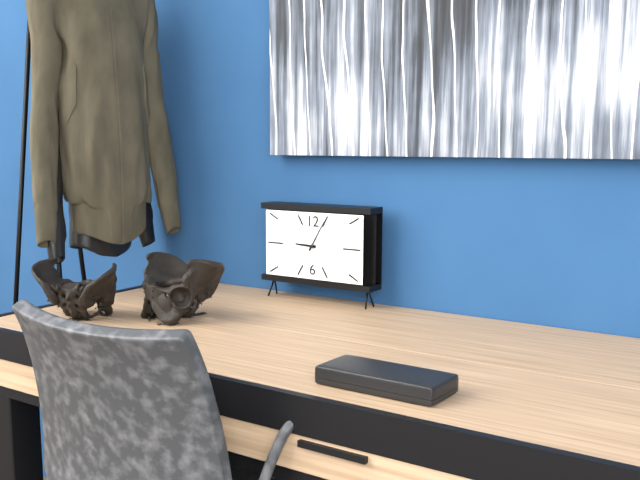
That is 9:05
